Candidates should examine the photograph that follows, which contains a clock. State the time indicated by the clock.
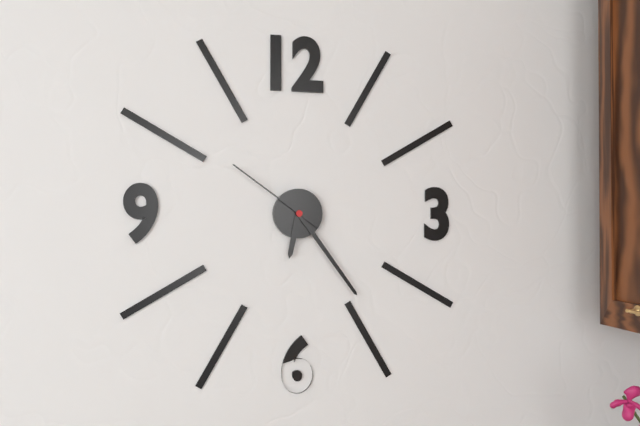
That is 6:24:51
